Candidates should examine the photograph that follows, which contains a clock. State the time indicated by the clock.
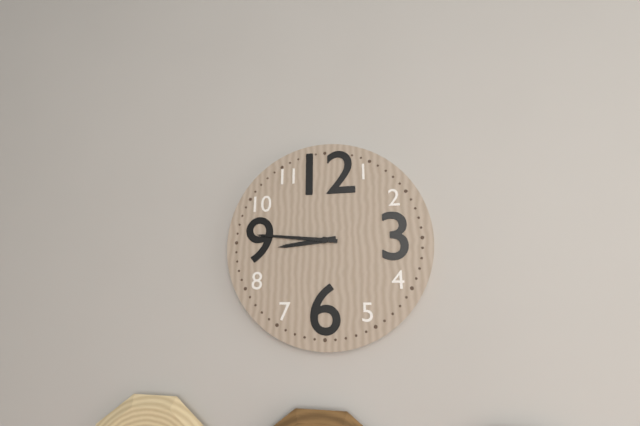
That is 8:46
